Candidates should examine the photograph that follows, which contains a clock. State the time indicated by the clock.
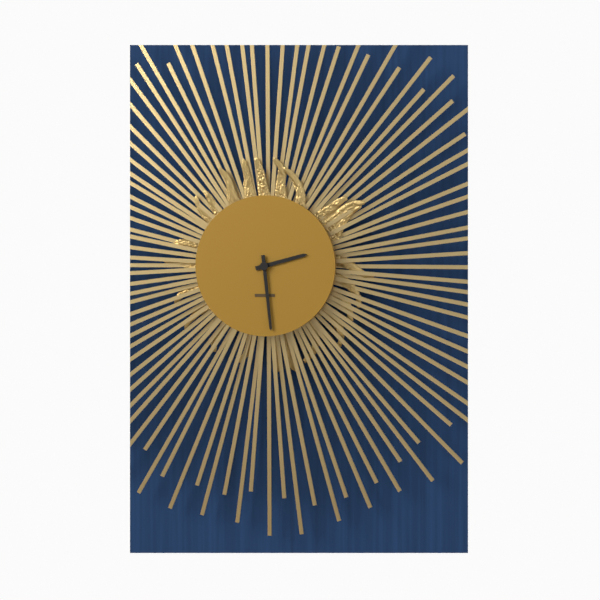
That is 2:29
